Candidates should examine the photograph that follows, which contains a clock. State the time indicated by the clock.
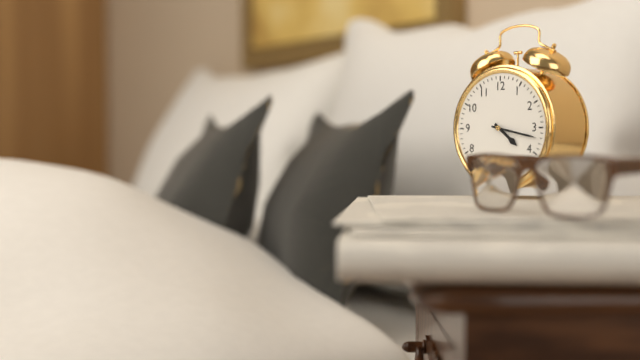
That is 4:17
